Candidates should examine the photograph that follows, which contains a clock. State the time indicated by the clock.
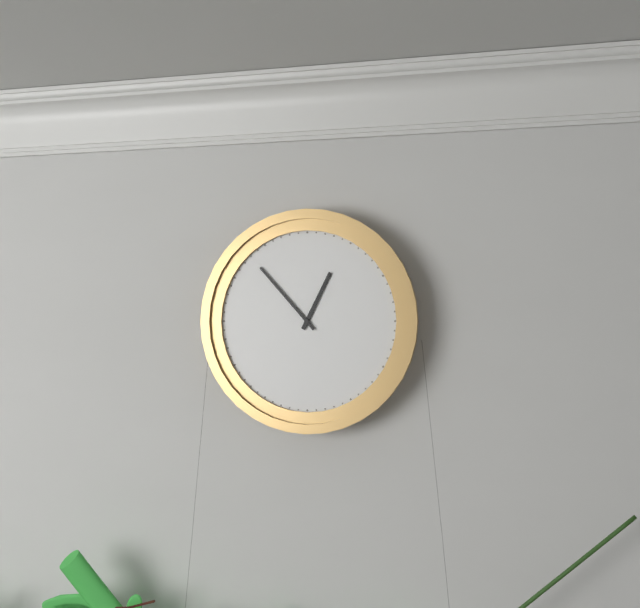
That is 12:53
